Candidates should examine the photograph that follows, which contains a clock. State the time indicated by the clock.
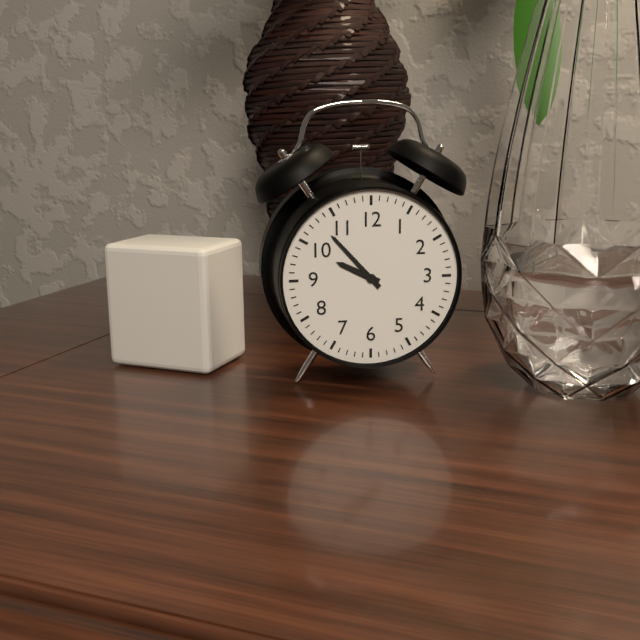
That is 9:53
